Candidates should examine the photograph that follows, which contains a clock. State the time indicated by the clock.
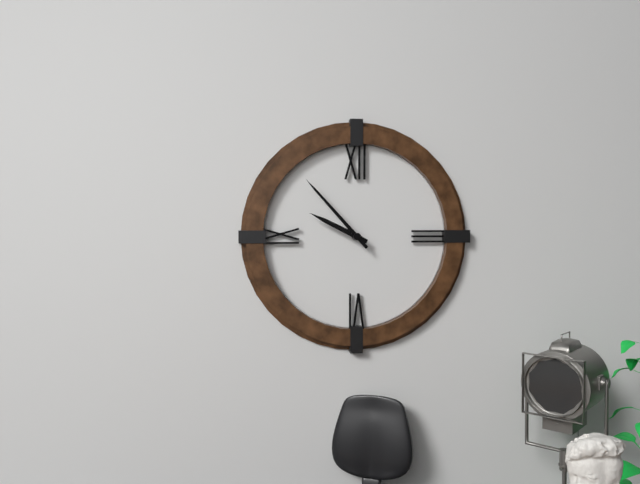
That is 9:53
